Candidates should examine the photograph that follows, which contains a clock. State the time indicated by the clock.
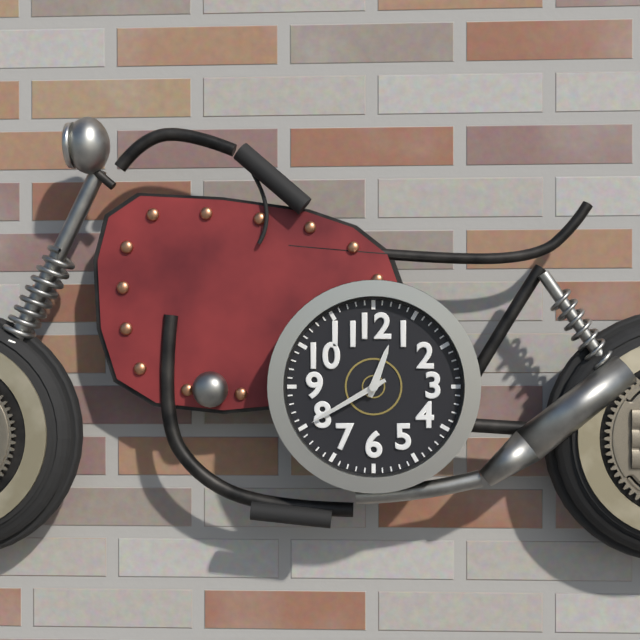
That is 12:40
